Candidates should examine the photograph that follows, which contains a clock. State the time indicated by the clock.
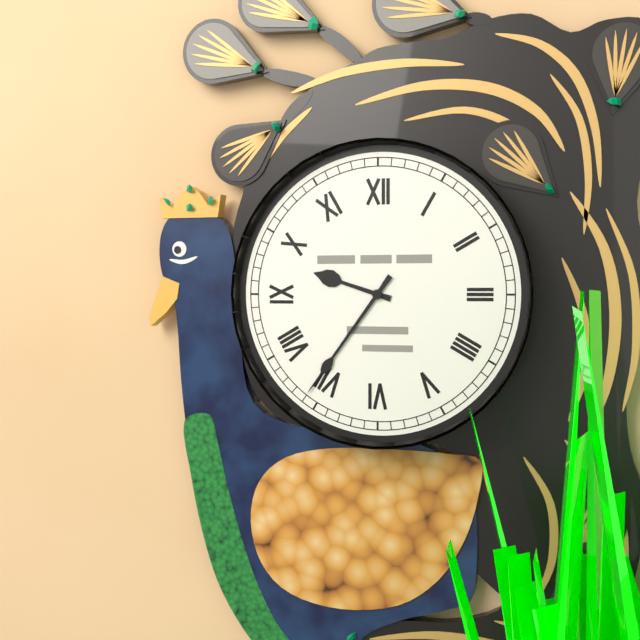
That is 9:36
